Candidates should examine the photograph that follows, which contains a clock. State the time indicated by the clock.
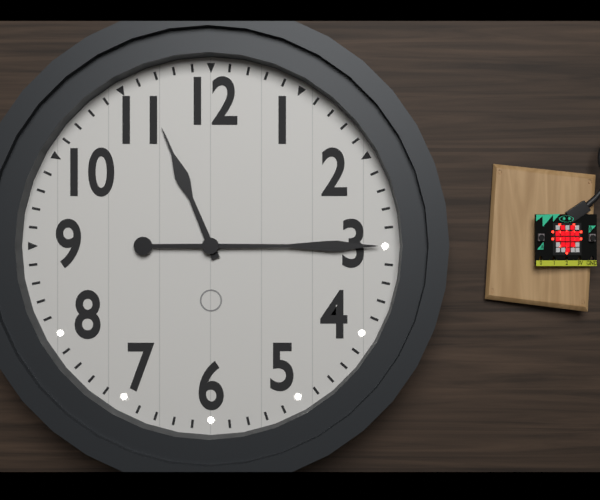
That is 11:15
